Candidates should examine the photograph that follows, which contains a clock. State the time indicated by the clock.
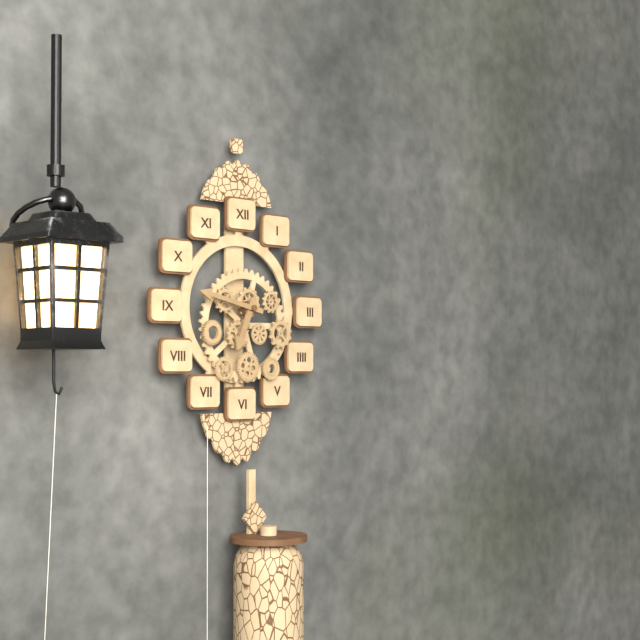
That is 6:47
